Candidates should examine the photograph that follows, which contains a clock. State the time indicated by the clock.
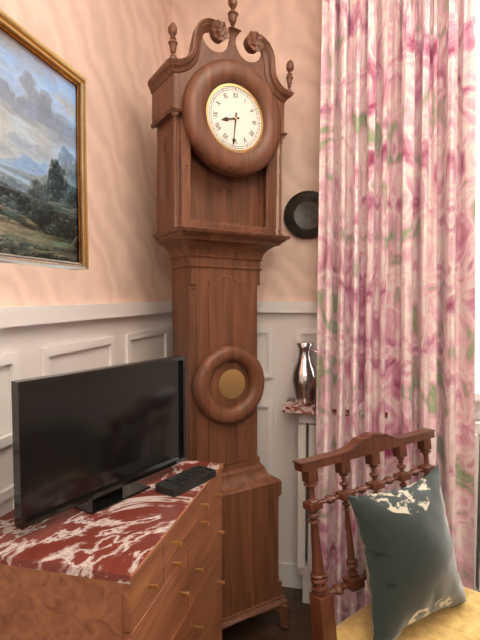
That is 8:31
